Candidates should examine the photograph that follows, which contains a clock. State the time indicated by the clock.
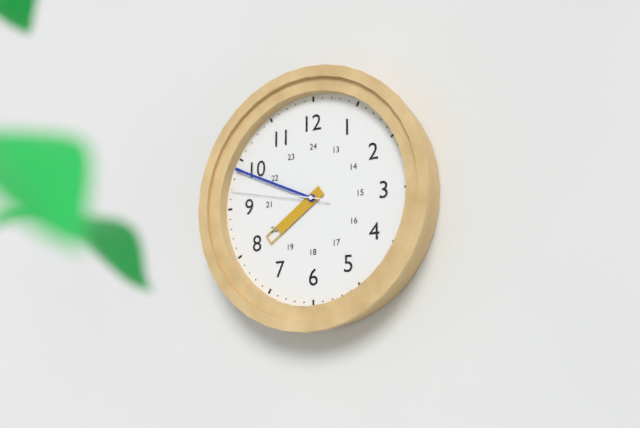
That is 7:49:47
